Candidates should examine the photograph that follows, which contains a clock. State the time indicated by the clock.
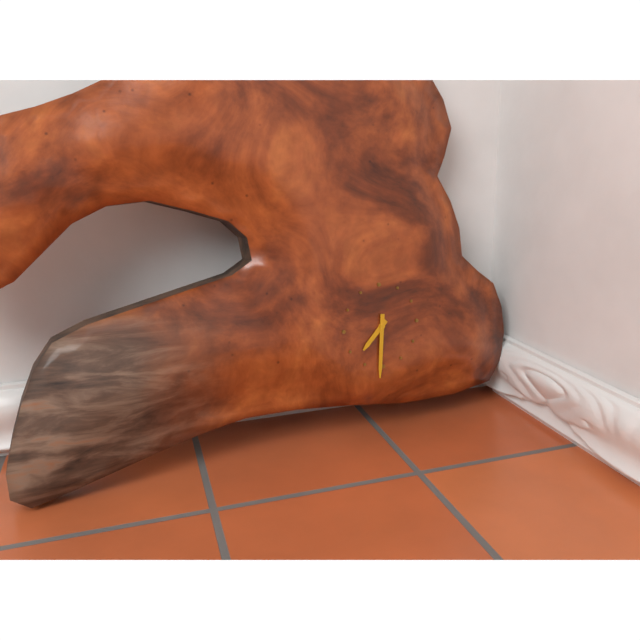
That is 7:31
